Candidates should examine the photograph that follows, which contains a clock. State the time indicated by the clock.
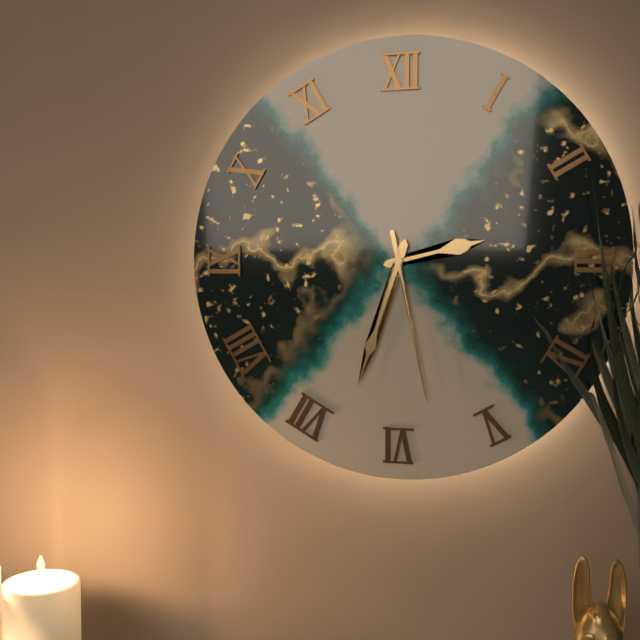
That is 2:33:28
